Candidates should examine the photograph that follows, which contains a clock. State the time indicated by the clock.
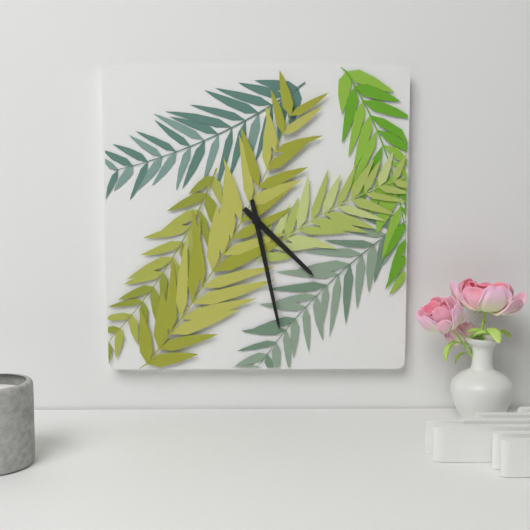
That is 4:28
